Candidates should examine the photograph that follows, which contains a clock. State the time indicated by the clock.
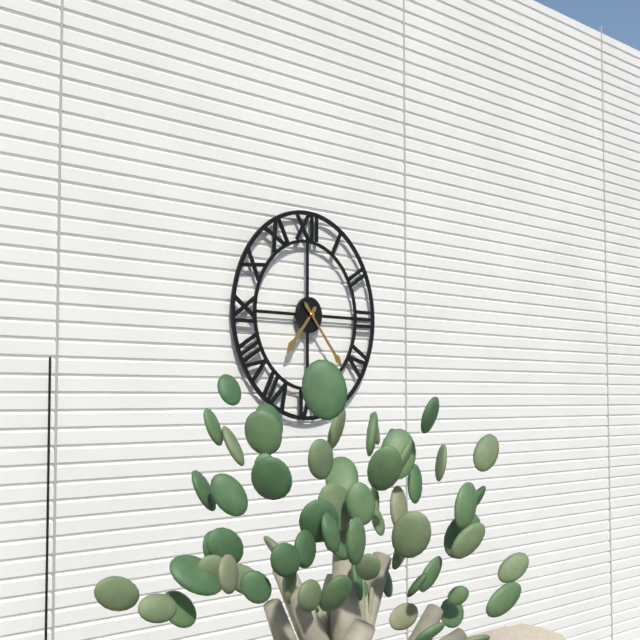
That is 7:23
